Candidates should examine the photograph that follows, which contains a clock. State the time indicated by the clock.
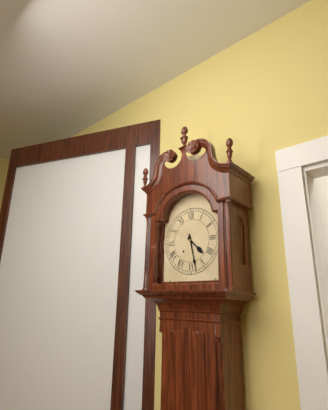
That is 4:28
